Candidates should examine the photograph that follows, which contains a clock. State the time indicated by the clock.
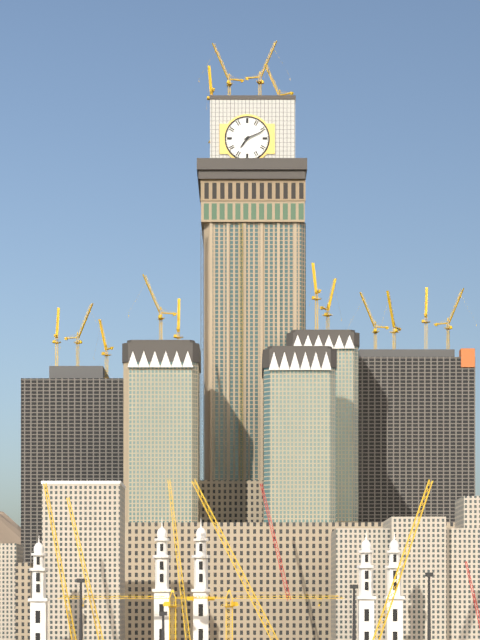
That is 7:11
